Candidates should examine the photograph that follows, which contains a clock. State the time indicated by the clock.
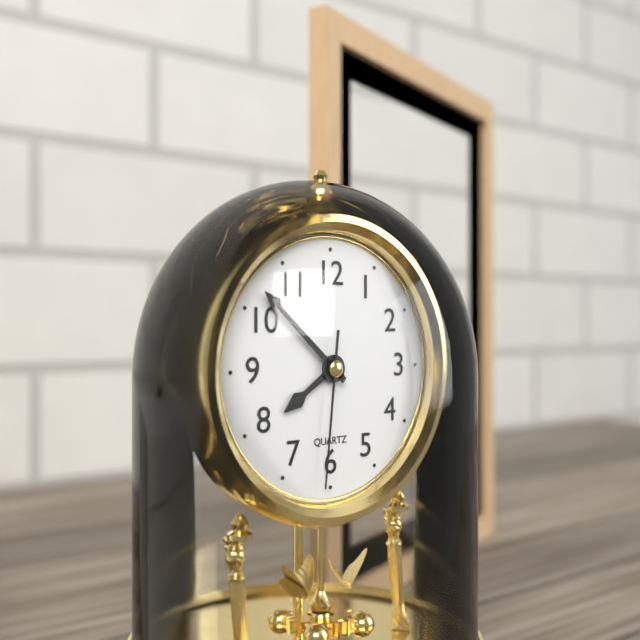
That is 7:52:31
